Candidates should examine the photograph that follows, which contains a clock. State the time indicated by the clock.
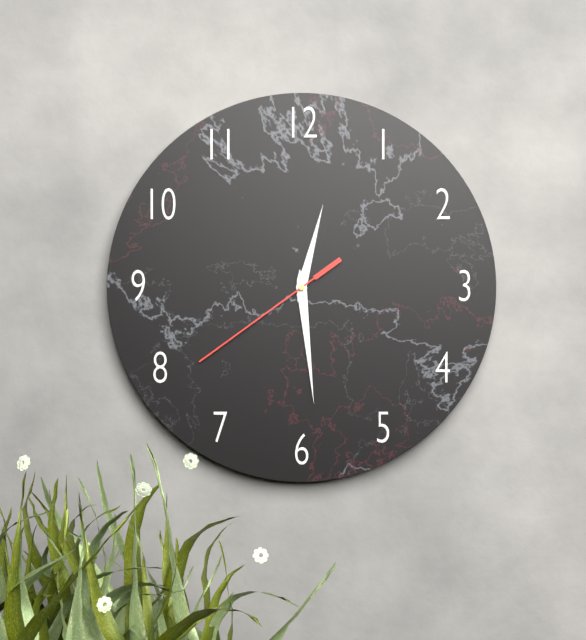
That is 12:29:39
